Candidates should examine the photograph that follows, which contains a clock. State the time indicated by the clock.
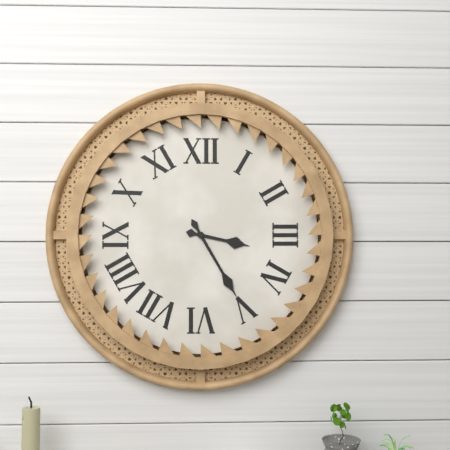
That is 3:25
